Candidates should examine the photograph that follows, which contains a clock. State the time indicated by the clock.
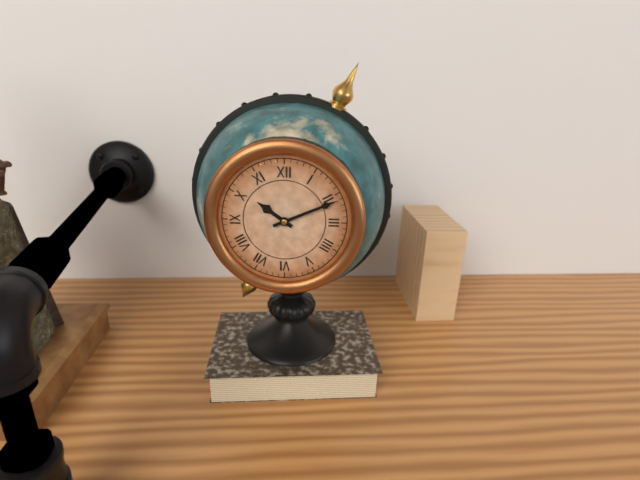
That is 10:11
